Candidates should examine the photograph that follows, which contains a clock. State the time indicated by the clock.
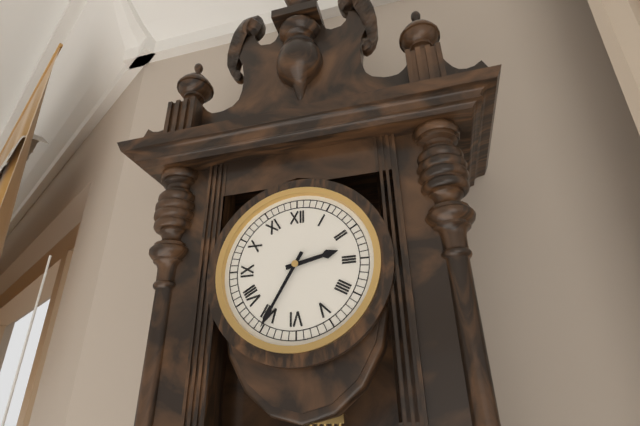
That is 2:35
